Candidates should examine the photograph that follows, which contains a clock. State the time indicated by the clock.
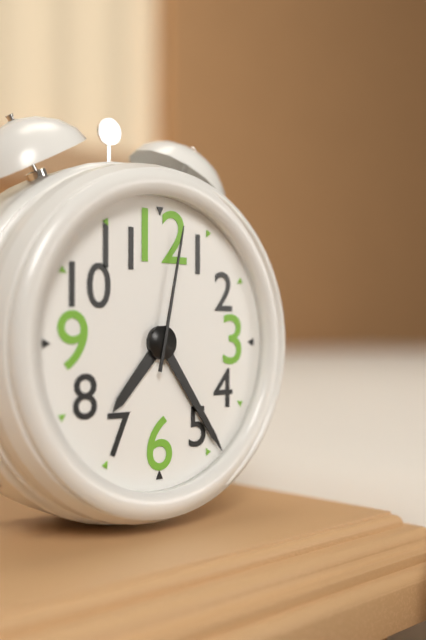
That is 7:24:02
